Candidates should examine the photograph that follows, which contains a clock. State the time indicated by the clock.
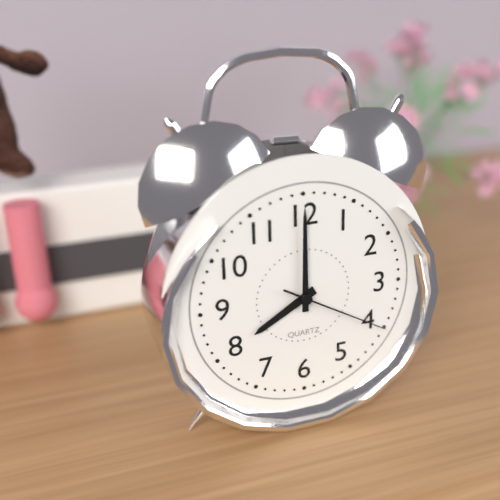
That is 8:00:20
